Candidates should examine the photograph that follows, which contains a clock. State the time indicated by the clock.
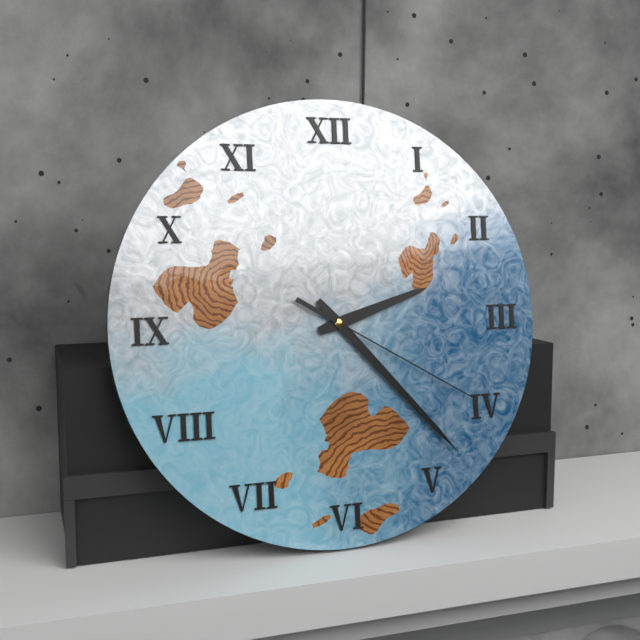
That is 2:23:20
